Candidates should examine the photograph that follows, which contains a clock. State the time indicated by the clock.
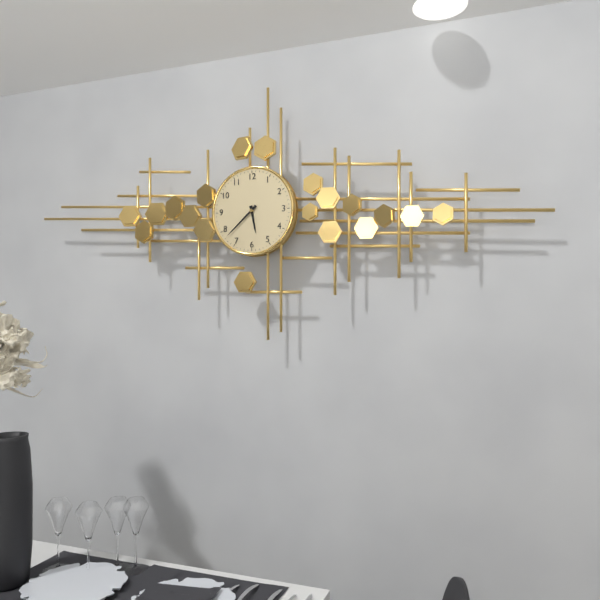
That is 5:38
